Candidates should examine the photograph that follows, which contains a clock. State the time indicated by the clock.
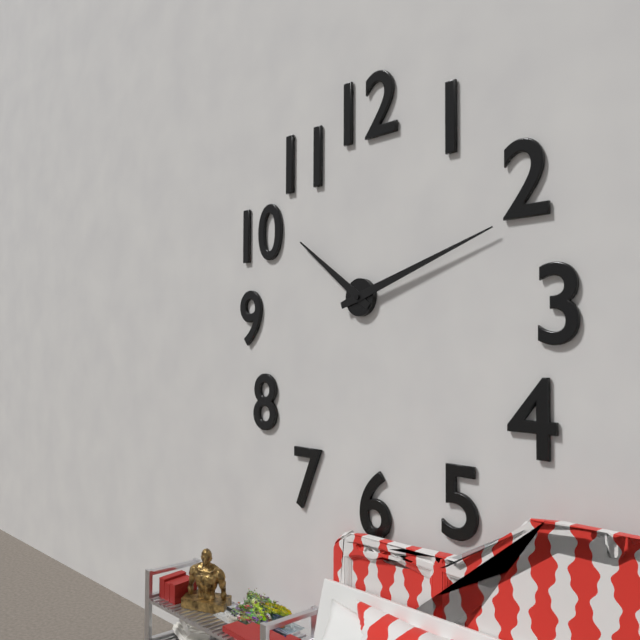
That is 10:12
